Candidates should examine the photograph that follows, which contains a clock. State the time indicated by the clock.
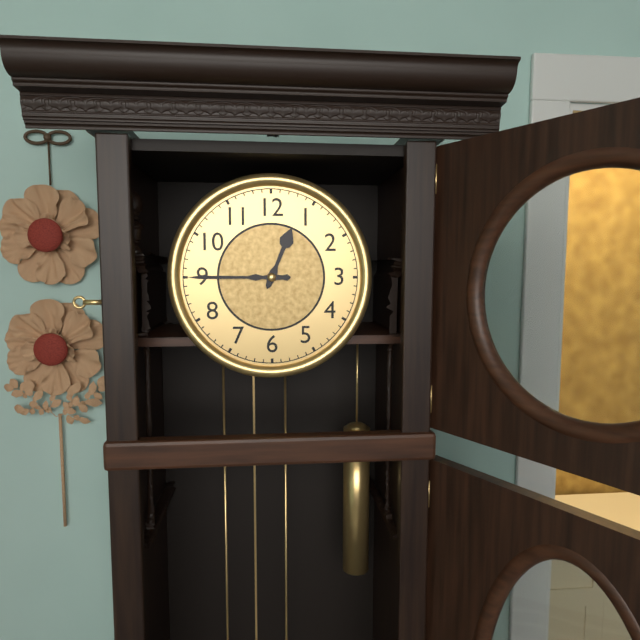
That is 12:45
